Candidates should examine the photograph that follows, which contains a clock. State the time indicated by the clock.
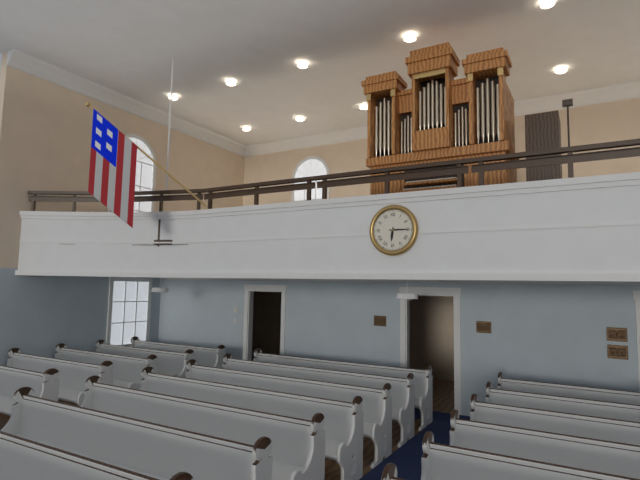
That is 6:15
